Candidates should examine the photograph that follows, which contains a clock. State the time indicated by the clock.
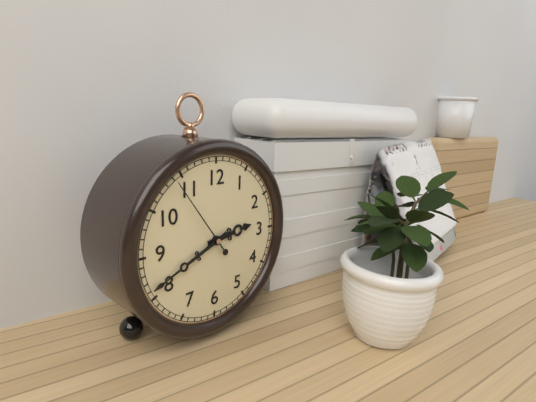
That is 2:41:54
